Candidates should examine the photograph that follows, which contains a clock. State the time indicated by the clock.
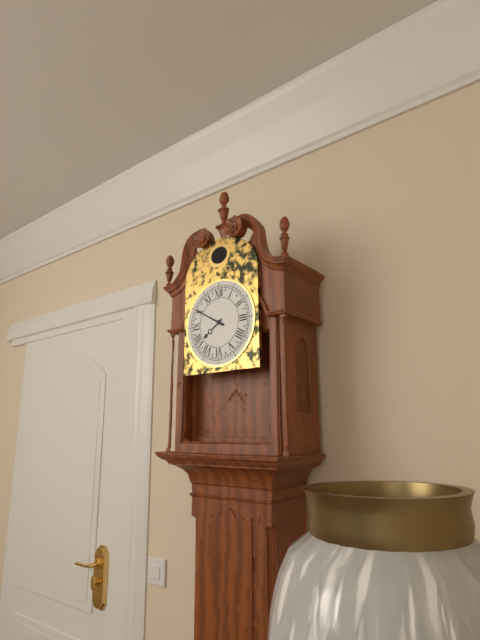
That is 7:50
